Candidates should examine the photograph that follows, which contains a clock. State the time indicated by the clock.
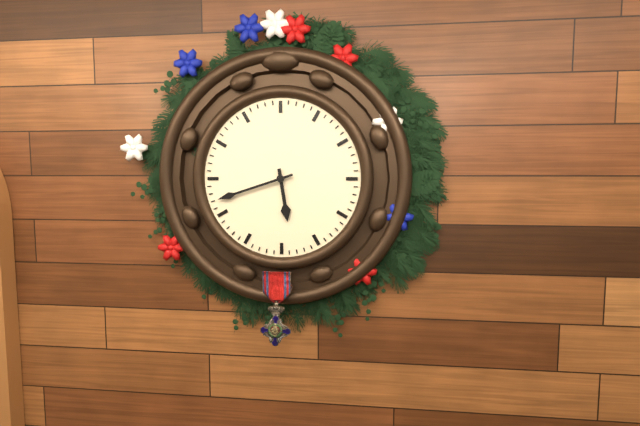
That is 5:42
